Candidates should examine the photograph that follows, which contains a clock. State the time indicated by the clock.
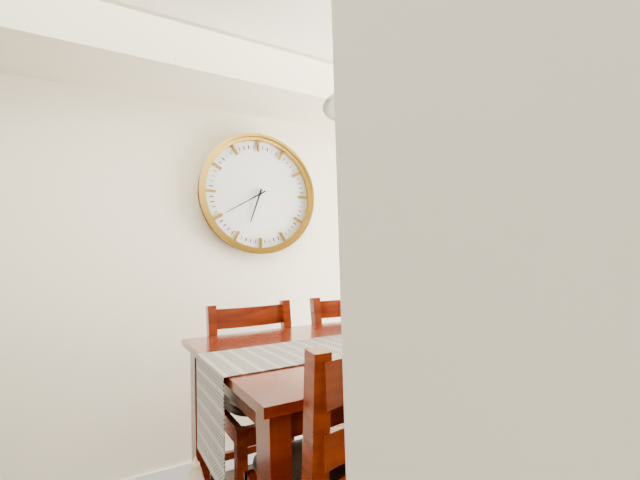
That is 6:40
